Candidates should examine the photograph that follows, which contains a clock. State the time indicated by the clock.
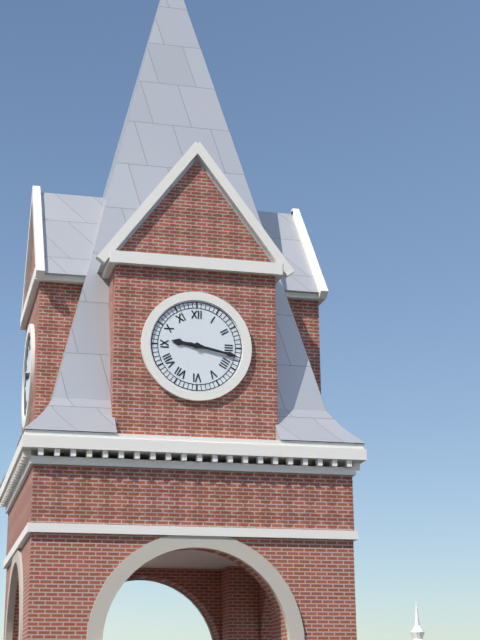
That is 9:17
